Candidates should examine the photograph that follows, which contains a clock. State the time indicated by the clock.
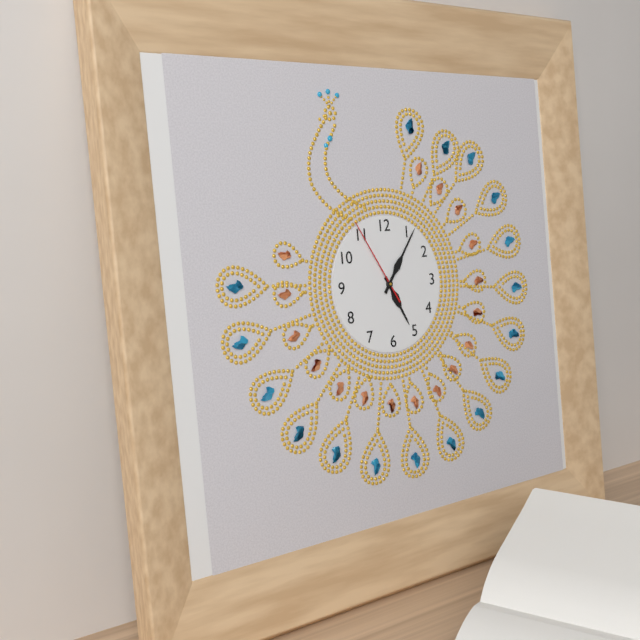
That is 5:06:55
